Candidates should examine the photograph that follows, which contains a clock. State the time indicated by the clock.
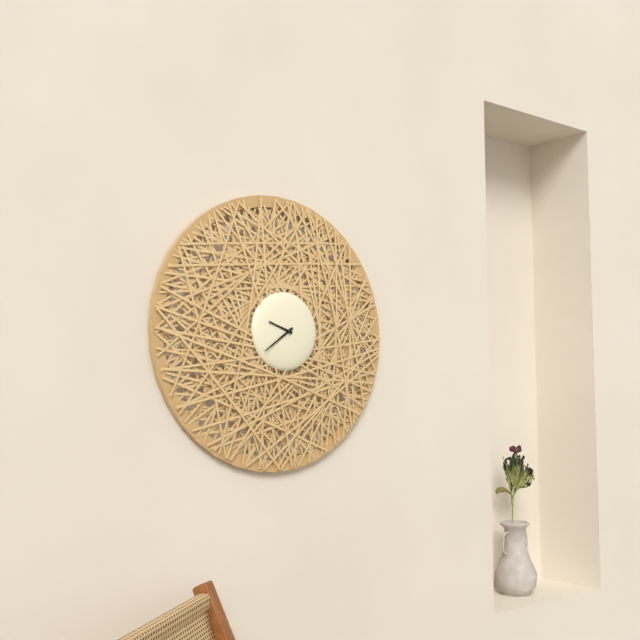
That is 9:39
